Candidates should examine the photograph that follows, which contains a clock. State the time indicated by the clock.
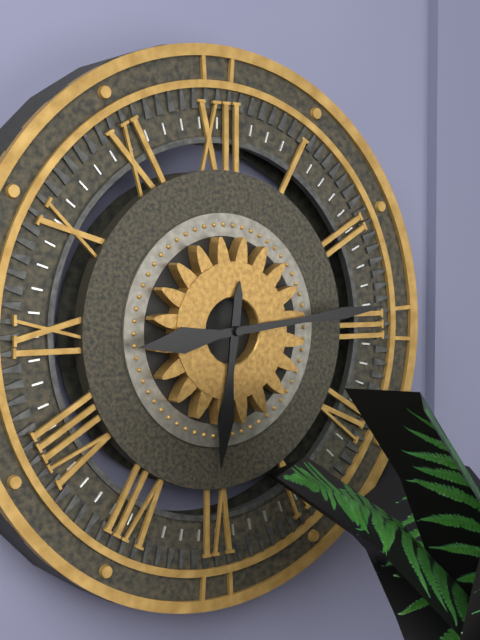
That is 6:14
